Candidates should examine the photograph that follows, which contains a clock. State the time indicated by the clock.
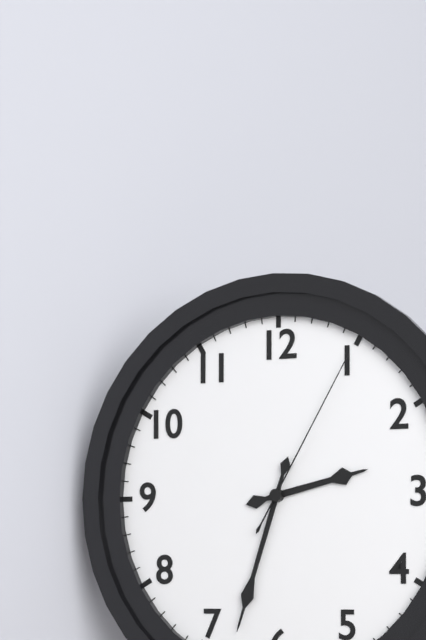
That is 2:33:05
